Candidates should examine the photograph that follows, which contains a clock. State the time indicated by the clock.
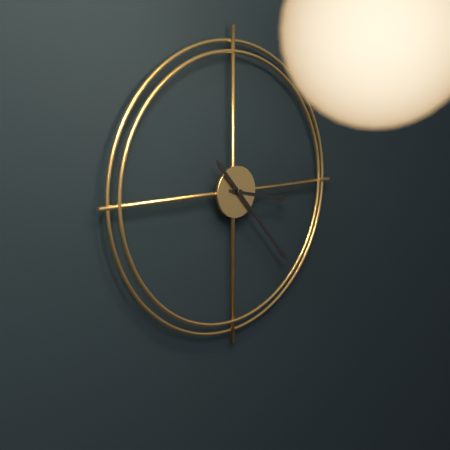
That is 3:23
